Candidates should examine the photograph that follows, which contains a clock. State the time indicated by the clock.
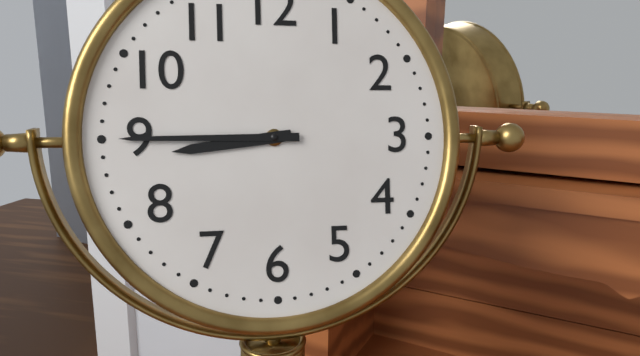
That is 8:45
